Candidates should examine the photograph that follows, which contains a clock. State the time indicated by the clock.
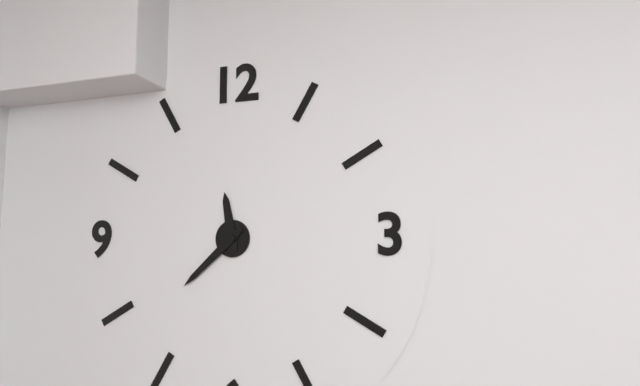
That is 11:38
